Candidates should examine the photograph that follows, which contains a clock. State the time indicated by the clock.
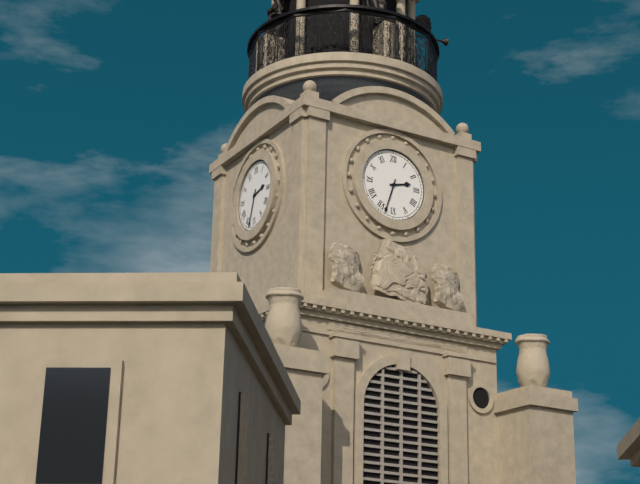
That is 2:33
